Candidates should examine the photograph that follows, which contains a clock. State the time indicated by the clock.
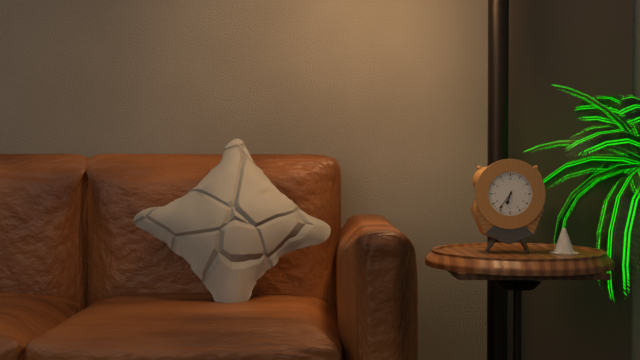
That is 6:36
